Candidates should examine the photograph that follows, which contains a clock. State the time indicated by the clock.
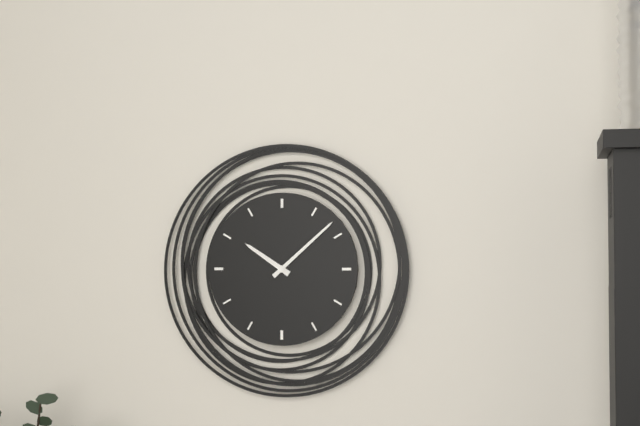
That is 10:08
